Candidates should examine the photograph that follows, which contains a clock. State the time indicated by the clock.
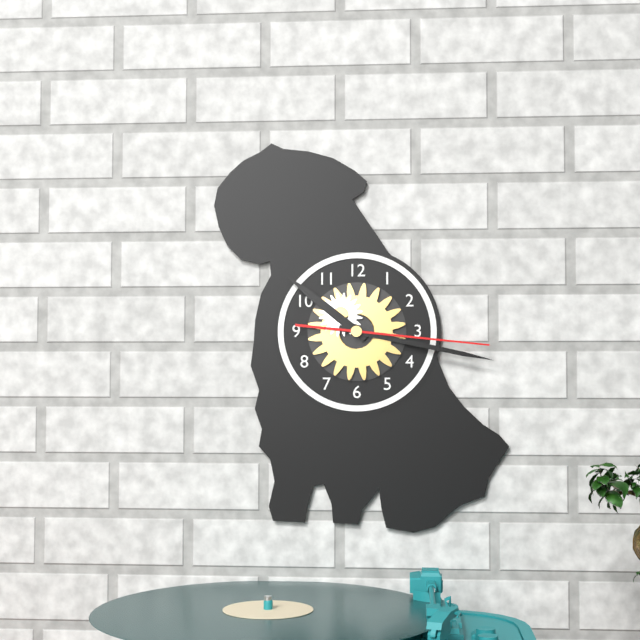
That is 10:17:16
